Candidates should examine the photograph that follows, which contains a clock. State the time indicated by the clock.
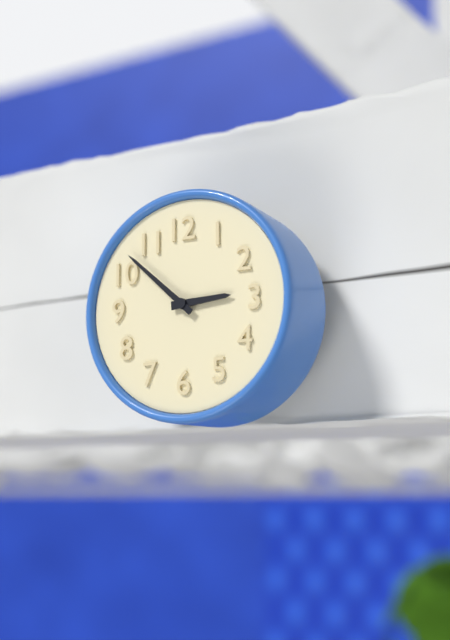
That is 2:52
